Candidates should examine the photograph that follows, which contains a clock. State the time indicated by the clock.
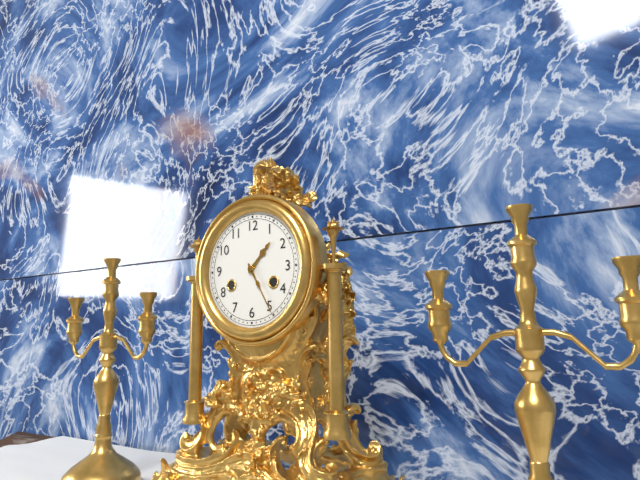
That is 1:25
